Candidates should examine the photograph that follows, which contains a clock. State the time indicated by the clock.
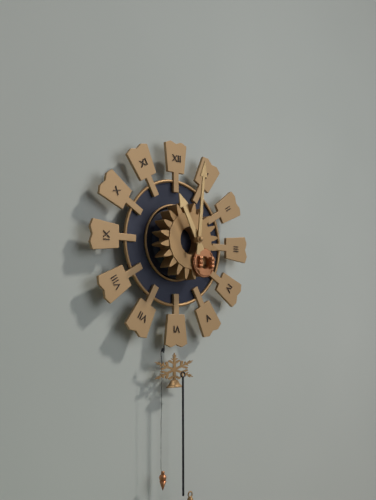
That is 11:01
